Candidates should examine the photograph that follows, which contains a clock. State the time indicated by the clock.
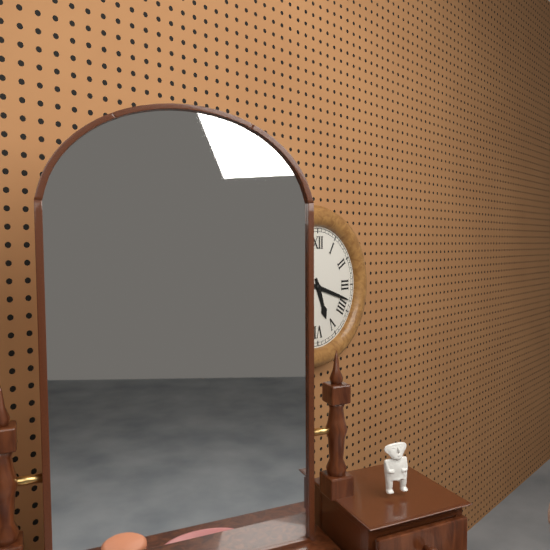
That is 5:18
